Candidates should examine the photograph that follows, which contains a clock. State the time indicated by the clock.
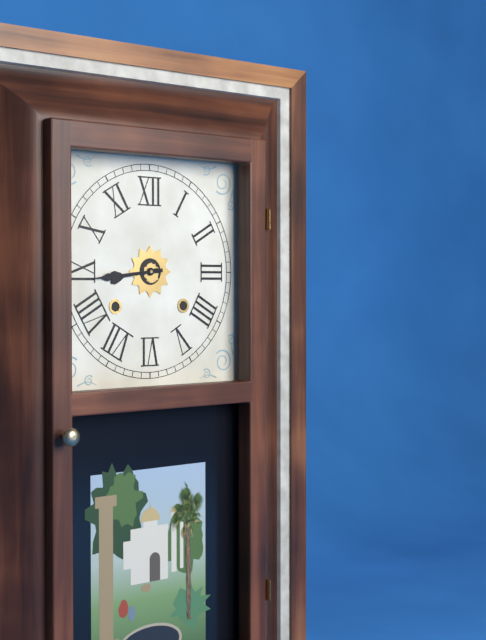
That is 8:44
